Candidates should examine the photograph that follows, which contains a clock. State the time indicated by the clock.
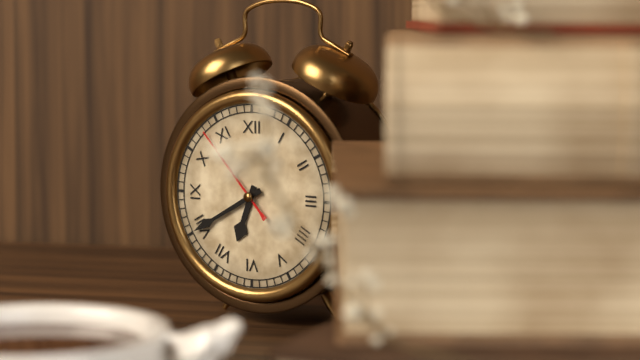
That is 6:40:53
